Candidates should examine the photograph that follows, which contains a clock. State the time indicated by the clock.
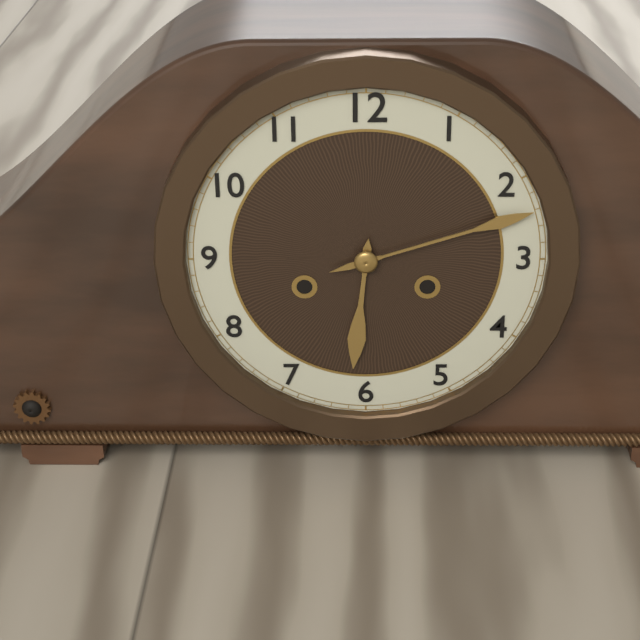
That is 6:12
